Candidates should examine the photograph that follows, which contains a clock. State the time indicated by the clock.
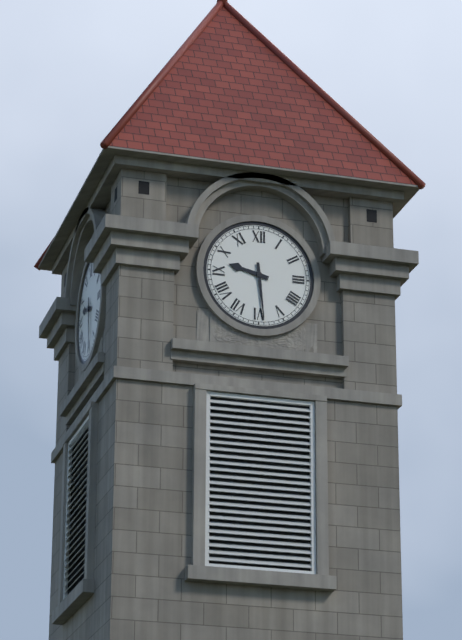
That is 9:29
